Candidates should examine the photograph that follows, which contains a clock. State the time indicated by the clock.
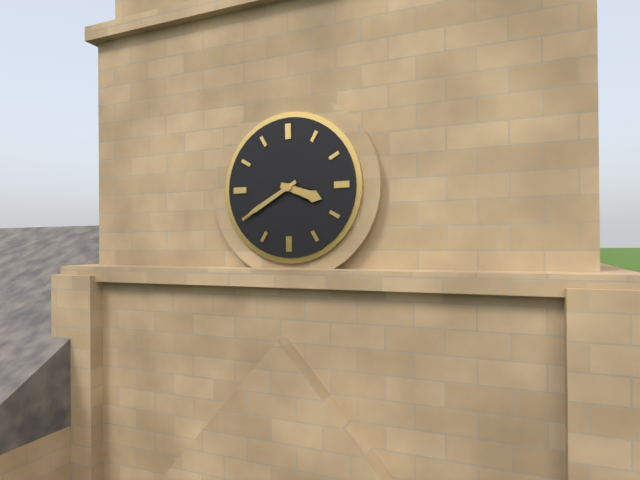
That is 3:40
